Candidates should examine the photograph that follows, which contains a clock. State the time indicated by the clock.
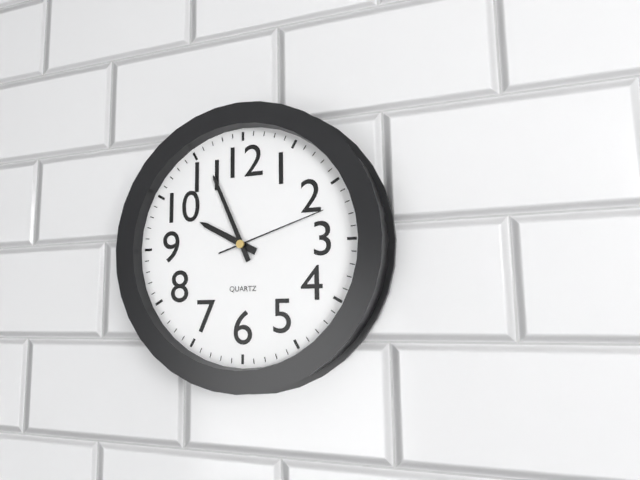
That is 9:56:12
